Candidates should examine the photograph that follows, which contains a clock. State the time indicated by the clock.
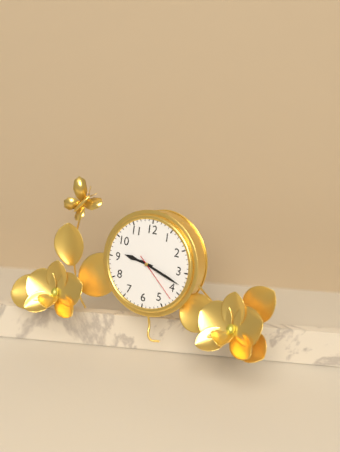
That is 9:18:22
